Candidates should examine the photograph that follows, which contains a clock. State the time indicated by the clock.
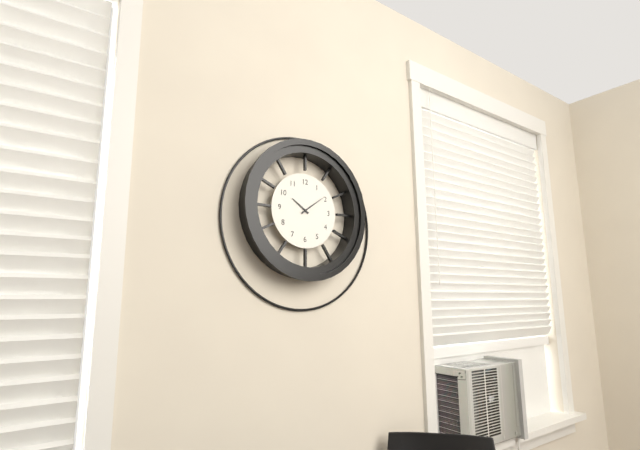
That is 10:09
